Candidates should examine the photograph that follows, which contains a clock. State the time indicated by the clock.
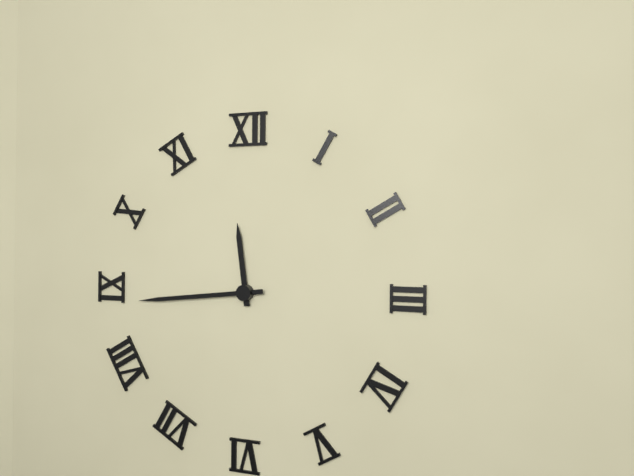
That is 11:44
